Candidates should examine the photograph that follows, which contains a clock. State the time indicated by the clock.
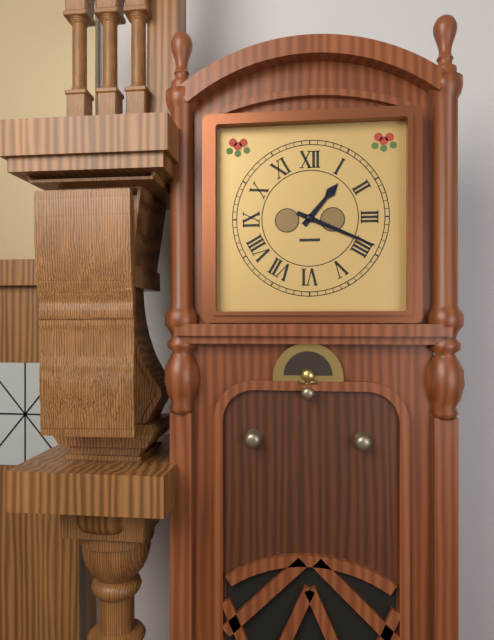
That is 1:19
